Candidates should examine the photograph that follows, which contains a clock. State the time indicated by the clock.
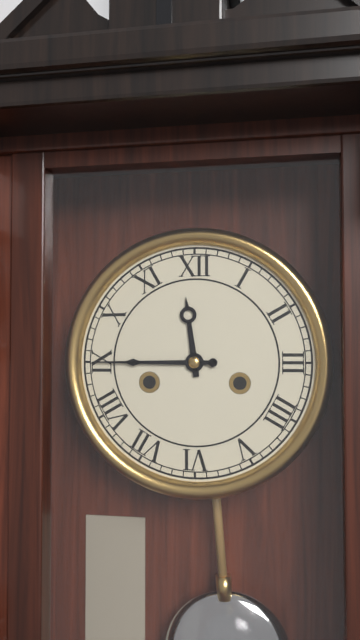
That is 11:45
